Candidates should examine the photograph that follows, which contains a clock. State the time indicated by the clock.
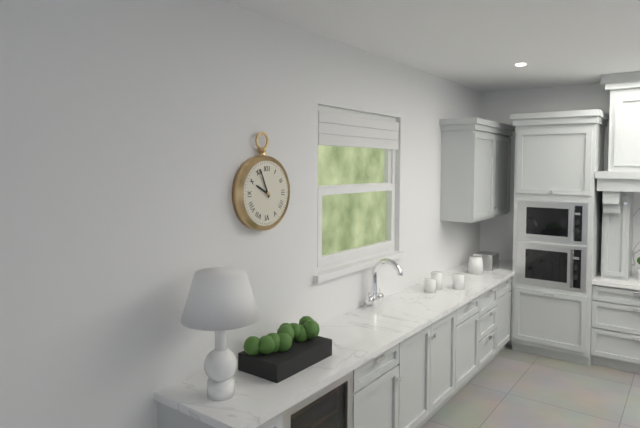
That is 9:56
